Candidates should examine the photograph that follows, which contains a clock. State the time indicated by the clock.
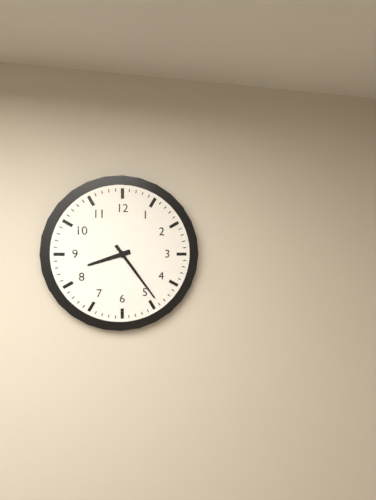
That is 8:24
